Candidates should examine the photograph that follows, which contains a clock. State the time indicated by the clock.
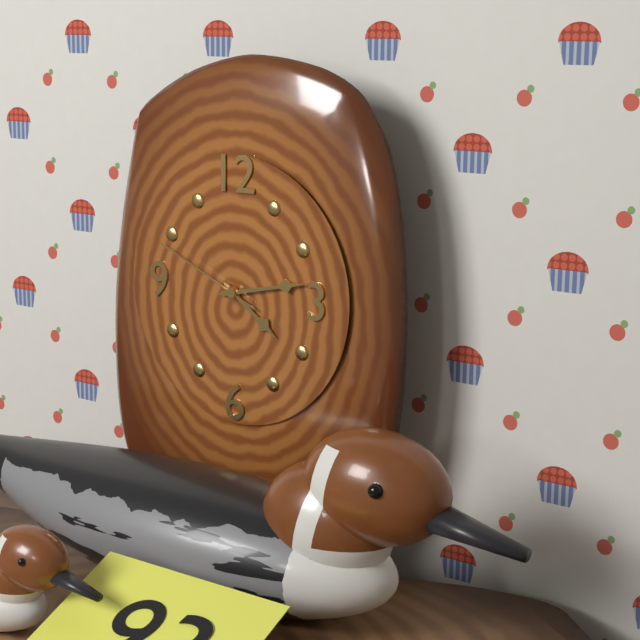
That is 4:13:49
